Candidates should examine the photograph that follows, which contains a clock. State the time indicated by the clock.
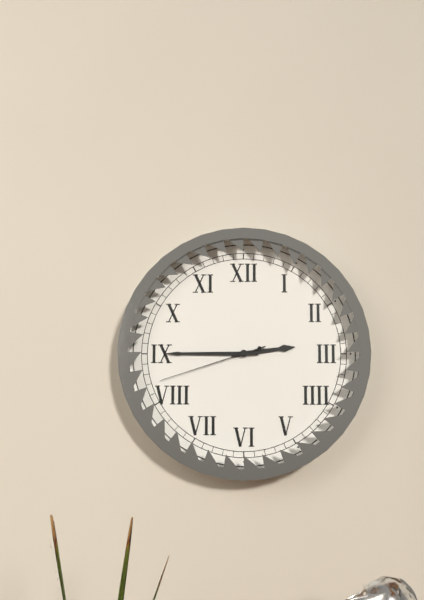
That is 2:45:42
